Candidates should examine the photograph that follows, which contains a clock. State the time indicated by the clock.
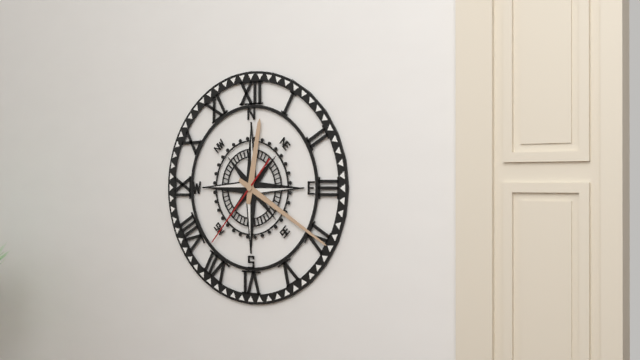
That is 12:20:37
